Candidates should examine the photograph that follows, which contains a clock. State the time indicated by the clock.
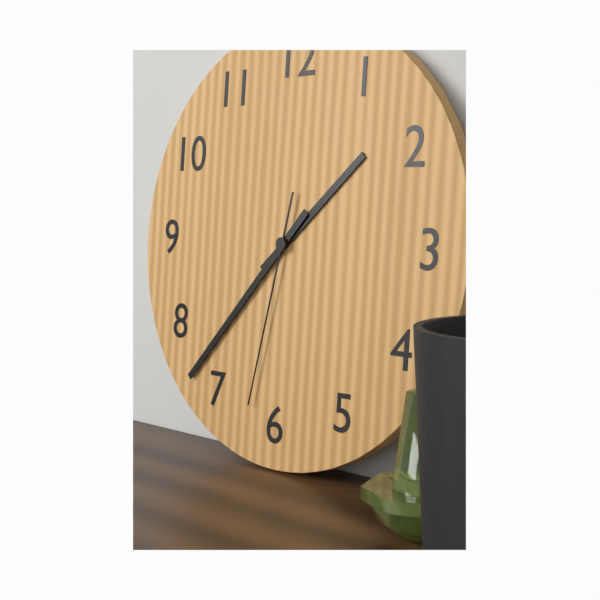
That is 1:37:32
